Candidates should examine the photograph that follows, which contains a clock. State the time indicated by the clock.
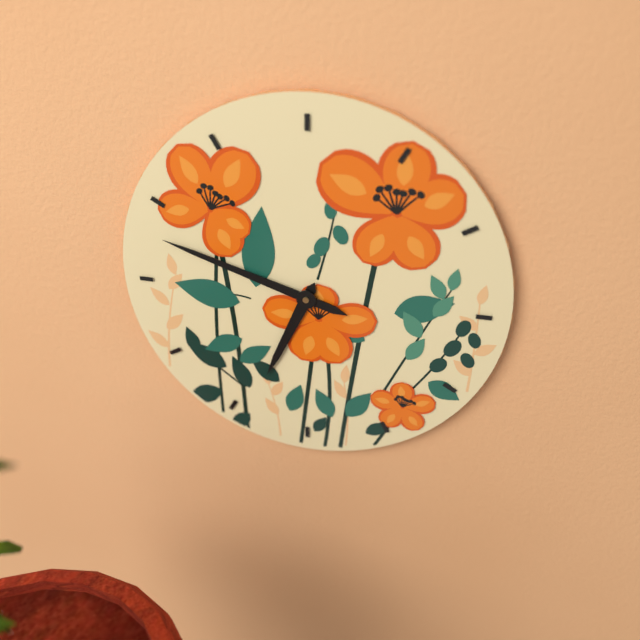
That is 6:48
